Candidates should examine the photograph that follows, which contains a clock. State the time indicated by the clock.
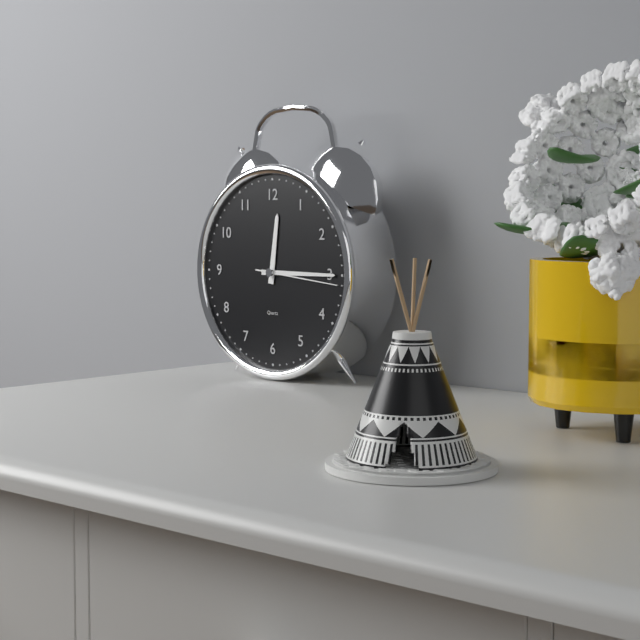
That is 12:15:16
